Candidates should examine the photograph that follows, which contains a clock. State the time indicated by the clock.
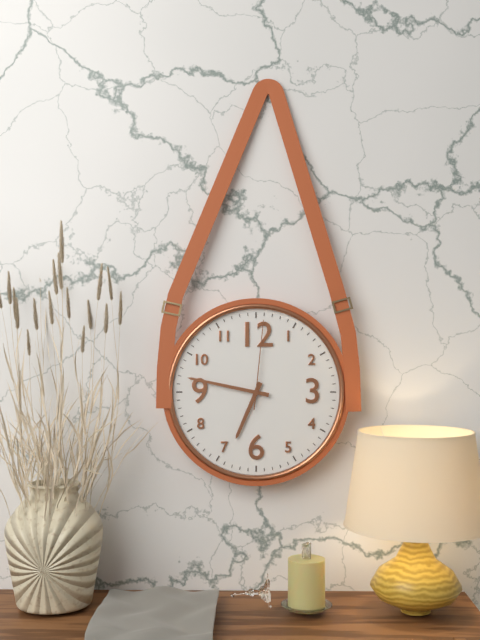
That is 6:47:01
